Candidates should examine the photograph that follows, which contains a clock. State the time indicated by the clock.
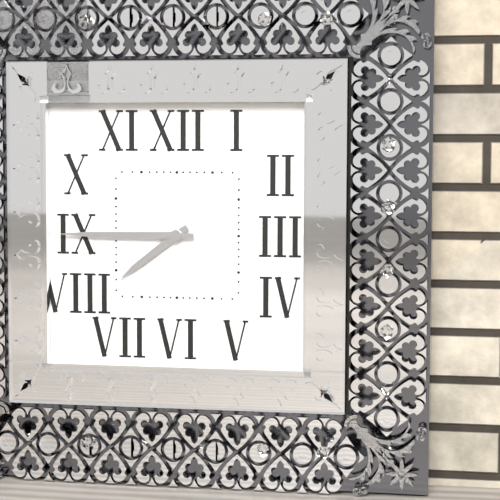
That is 7:45
